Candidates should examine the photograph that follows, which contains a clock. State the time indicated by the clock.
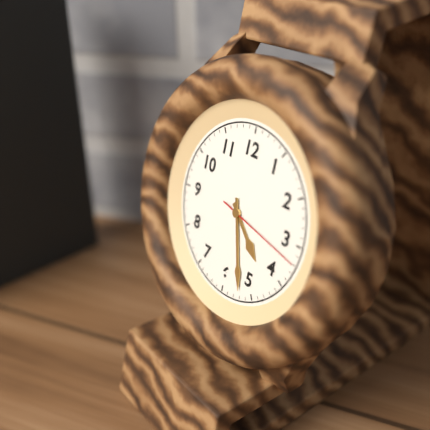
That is 4:27:17
